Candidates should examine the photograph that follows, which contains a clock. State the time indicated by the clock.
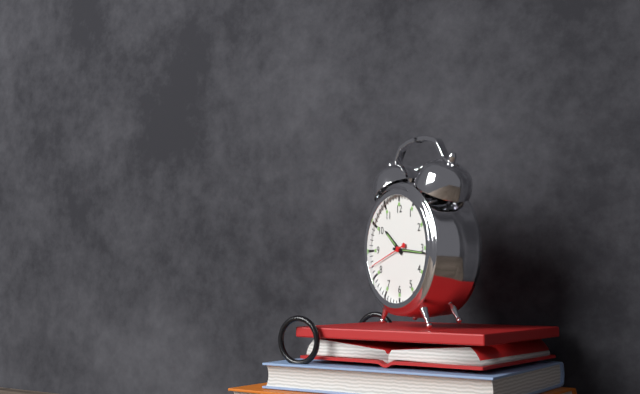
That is 10:16
